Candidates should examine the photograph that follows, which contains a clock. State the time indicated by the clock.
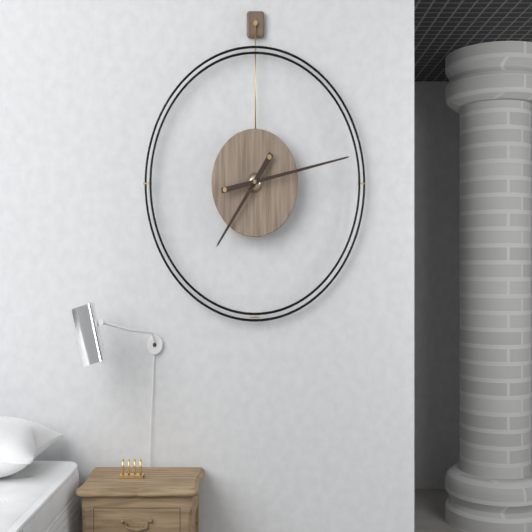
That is 7:13
